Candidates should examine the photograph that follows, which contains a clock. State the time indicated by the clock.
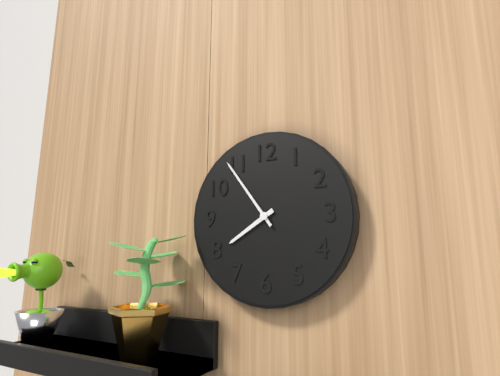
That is 7:54
